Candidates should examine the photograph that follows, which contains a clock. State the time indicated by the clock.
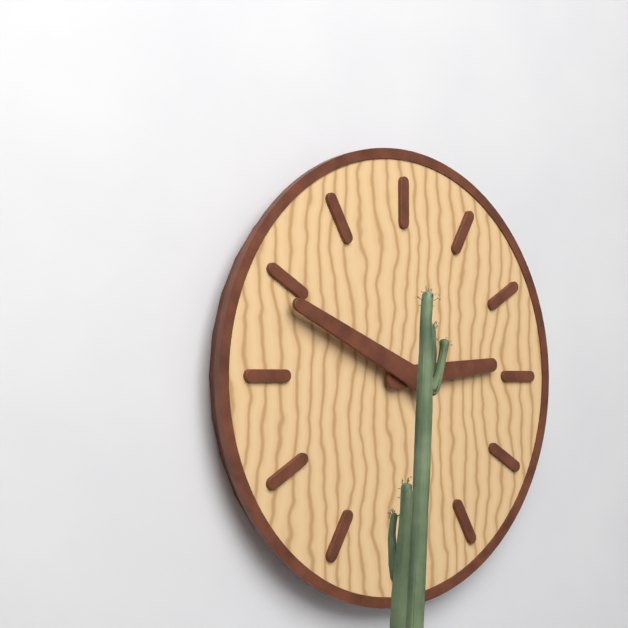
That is 2:49
